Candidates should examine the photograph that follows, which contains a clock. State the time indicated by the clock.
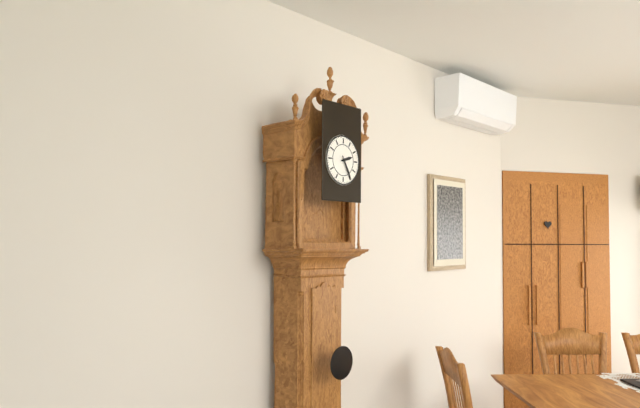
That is 2:25
